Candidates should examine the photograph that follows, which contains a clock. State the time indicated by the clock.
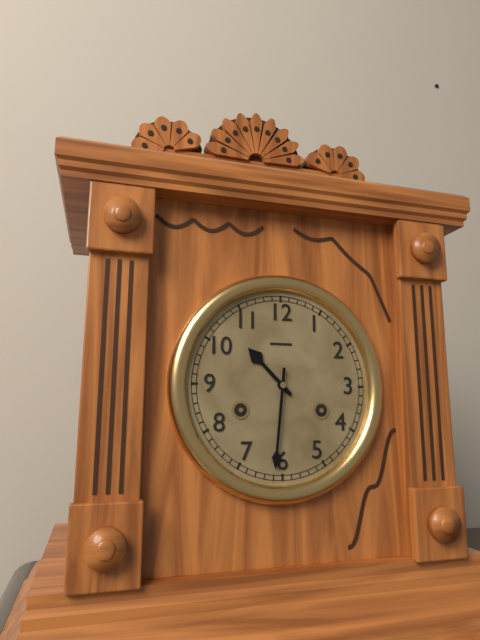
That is 10:31
